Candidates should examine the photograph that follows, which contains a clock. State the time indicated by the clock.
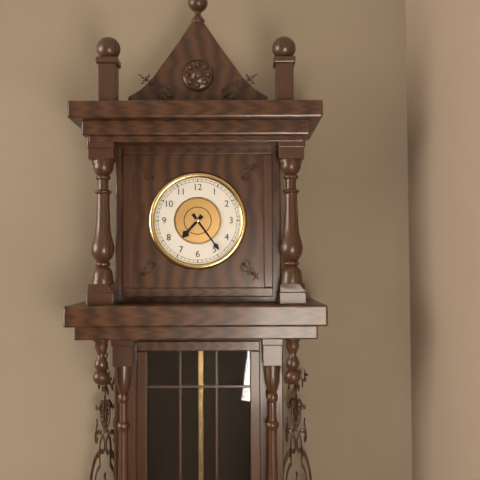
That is 7:24
